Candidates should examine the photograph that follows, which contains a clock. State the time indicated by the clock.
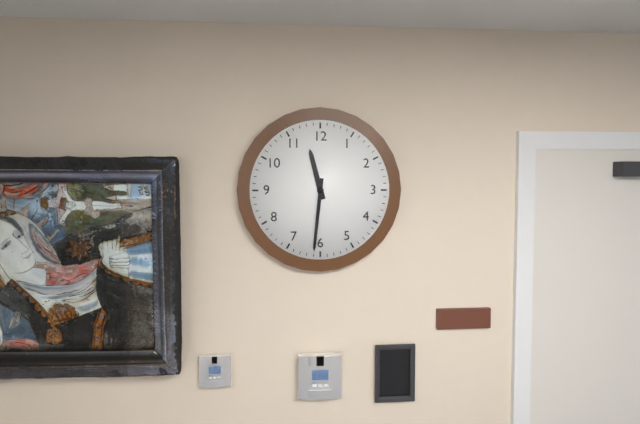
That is 11:31
